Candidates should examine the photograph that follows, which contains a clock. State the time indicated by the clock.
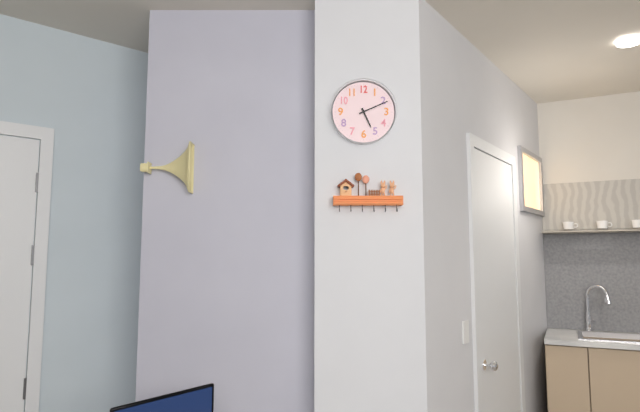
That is 5:11
